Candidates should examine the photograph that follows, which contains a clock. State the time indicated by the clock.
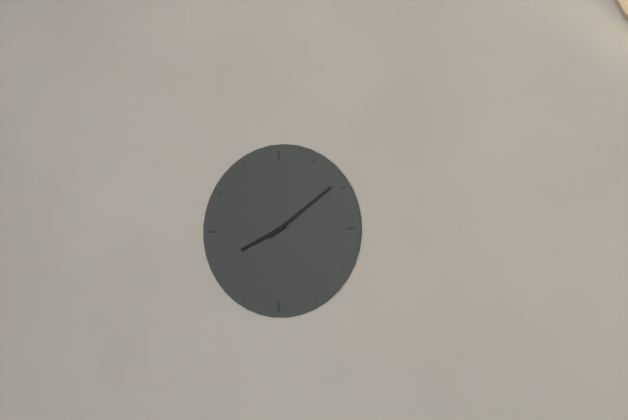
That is 8:09
